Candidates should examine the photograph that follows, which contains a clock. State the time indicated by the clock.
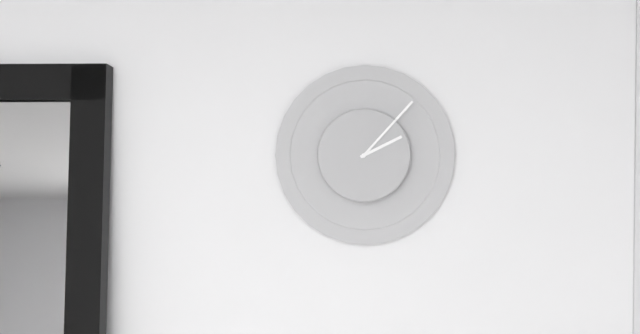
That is 2:07
